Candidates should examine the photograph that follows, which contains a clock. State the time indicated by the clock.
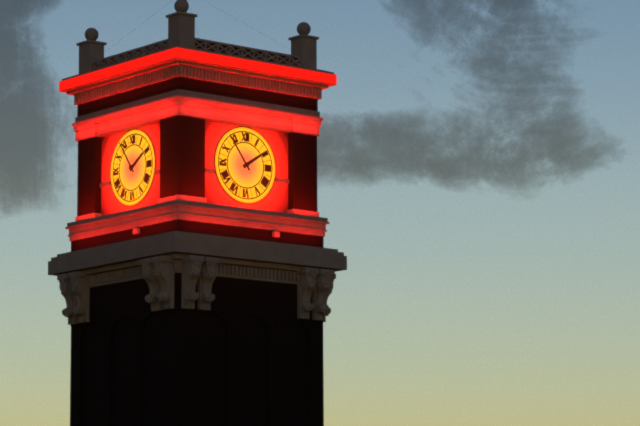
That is 1:54
